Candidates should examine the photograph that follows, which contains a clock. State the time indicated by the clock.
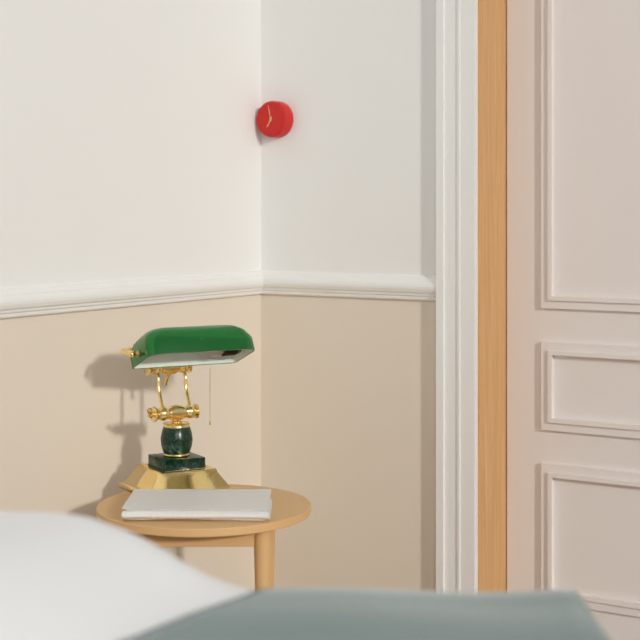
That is 6:58
